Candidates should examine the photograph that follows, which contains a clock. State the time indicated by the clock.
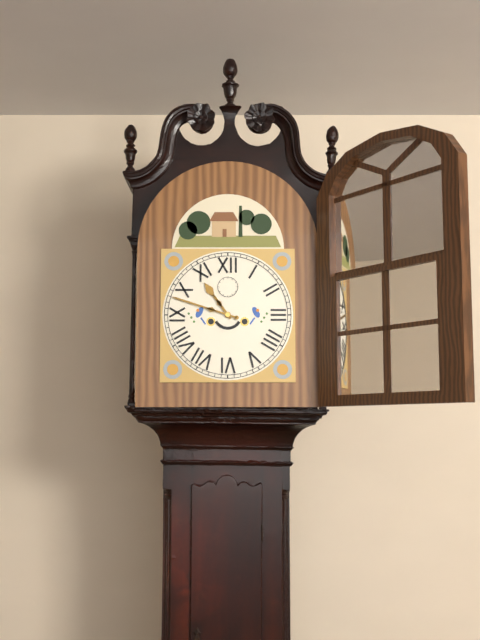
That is 10:48
